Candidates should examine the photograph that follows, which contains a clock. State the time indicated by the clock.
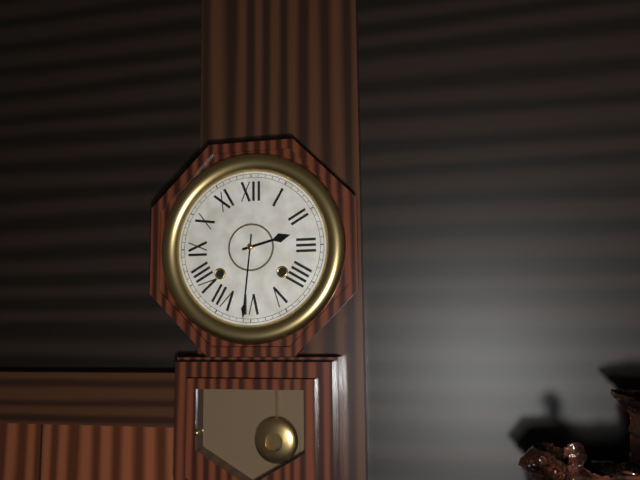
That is 2:31
